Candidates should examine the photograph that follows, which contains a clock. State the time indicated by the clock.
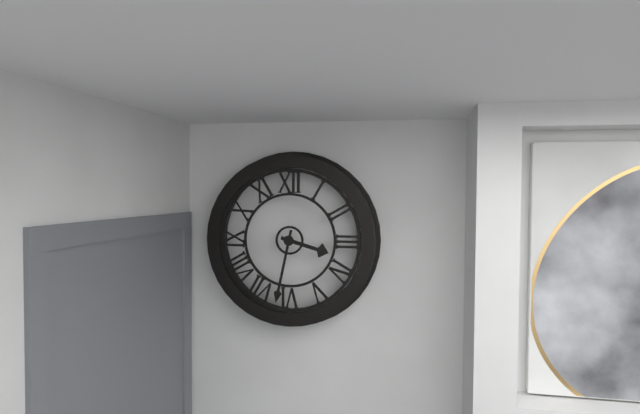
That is 3:32
